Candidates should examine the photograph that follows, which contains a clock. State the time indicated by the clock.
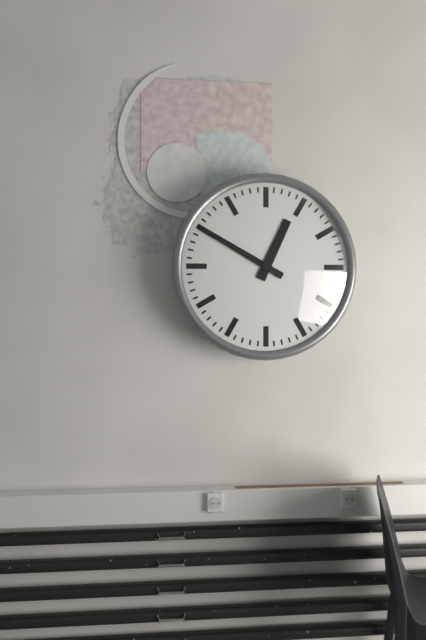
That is 12:50
